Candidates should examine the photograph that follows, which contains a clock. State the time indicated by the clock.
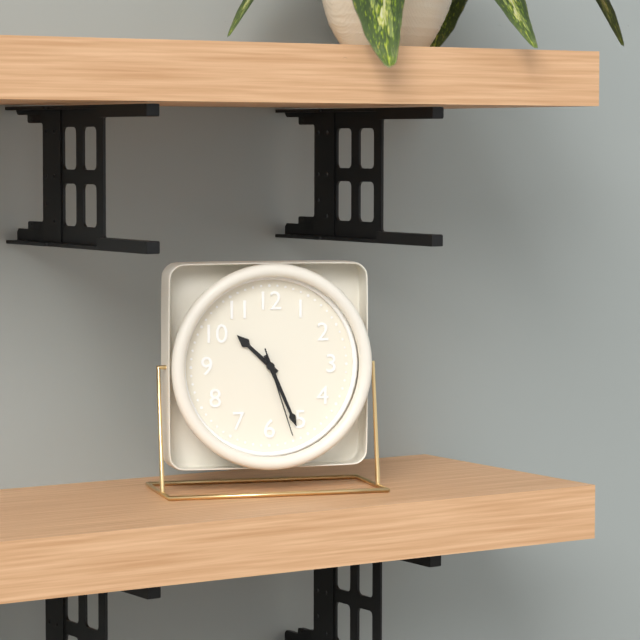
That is 10:26:27
